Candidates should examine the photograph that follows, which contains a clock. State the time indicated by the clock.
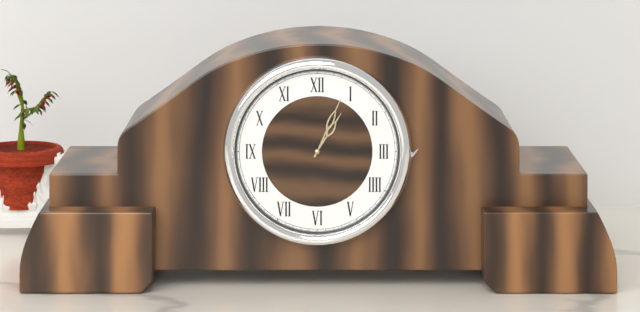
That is 1:04
